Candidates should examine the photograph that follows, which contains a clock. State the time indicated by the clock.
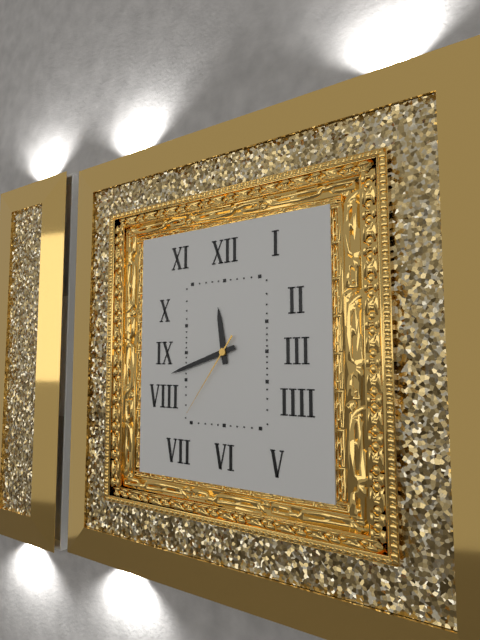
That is 11:42:36
